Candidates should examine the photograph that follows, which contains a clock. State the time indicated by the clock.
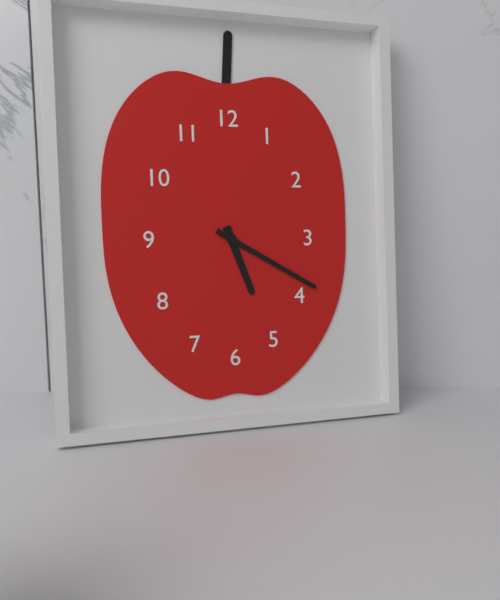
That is 5:20
